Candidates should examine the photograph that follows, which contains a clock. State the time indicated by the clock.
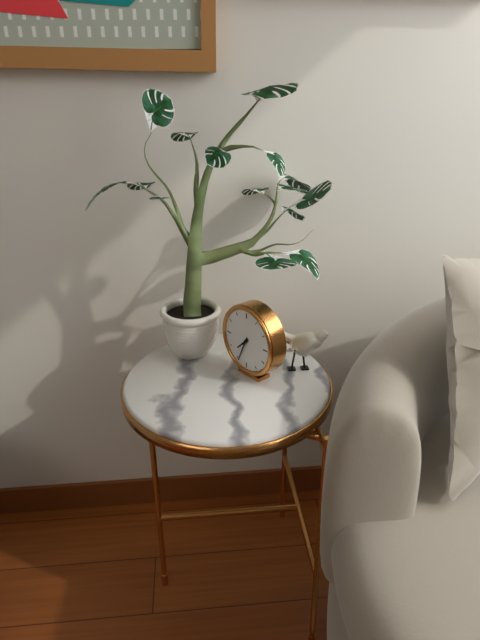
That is 7:34
